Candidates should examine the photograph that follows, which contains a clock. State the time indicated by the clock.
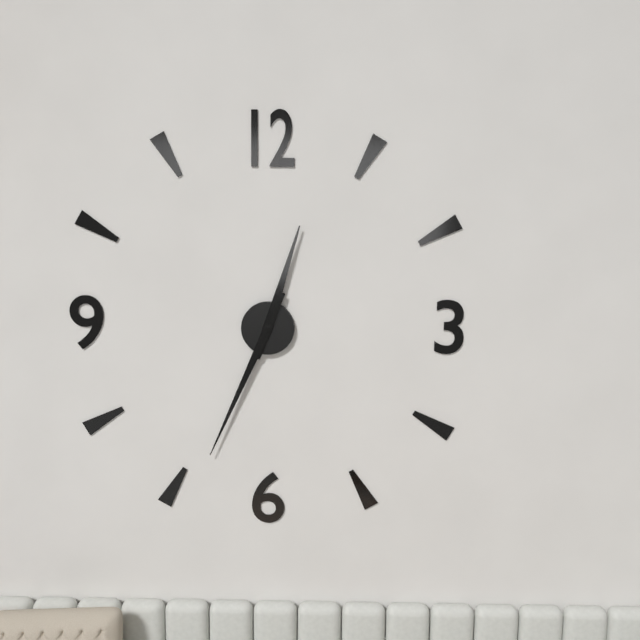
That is 12:34
